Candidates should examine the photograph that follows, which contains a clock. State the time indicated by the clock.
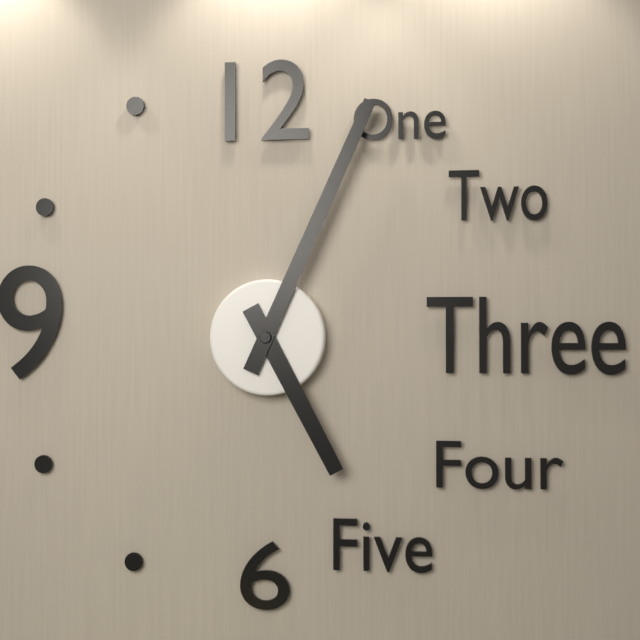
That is 5:04
